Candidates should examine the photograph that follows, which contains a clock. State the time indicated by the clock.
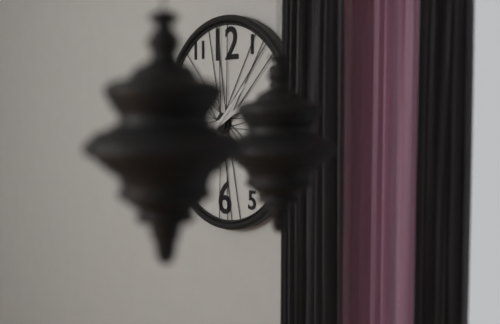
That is 2:08
